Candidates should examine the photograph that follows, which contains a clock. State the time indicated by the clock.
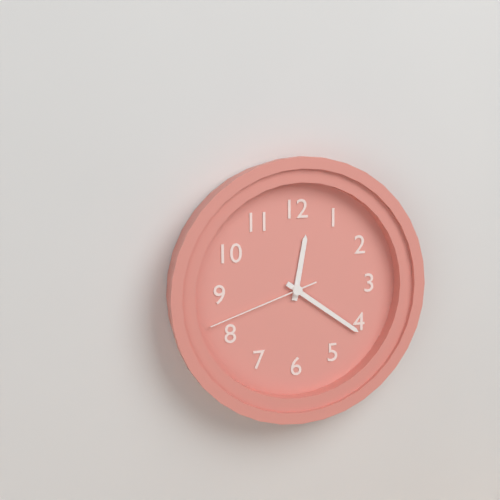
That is 12:21:42
